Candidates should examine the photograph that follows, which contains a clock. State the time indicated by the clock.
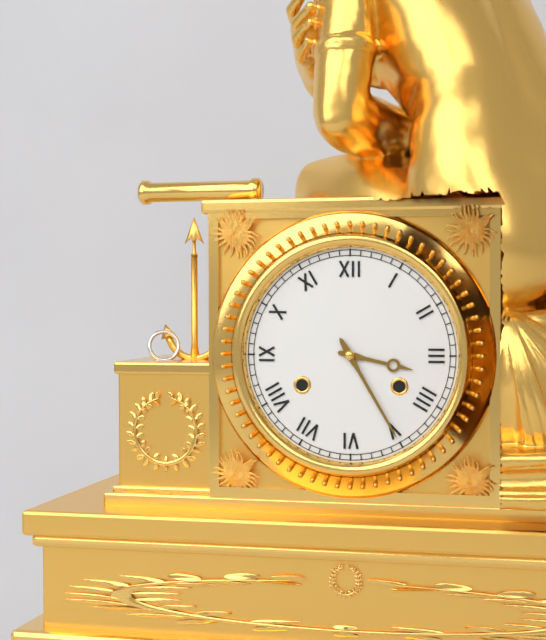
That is 3:25
